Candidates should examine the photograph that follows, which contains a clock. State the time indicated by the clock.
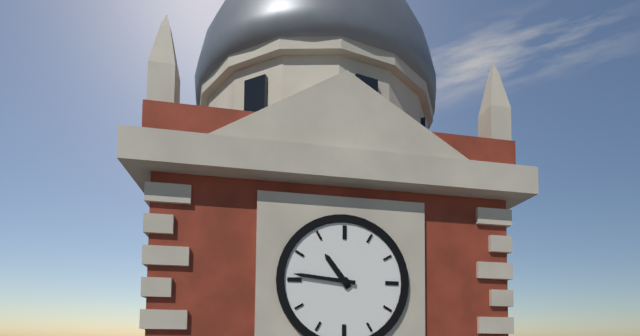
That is 10:46
